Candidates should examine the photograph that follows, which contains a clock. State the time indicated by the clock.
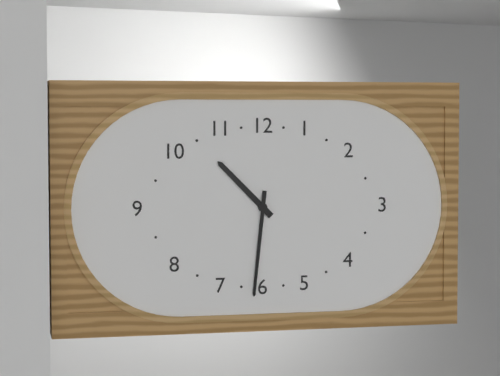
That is 10:31
